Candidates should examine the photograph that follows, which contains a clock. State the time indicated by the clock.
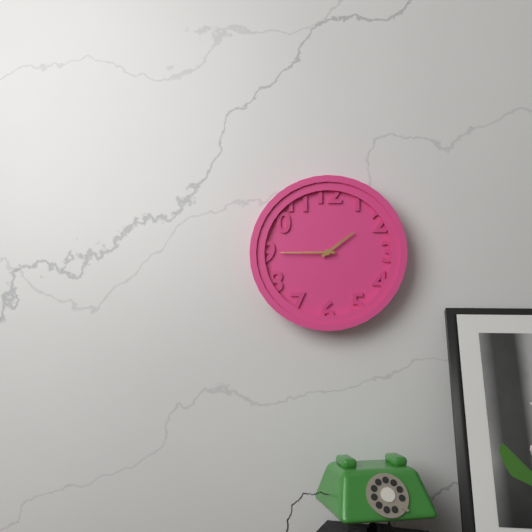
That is 1:45
